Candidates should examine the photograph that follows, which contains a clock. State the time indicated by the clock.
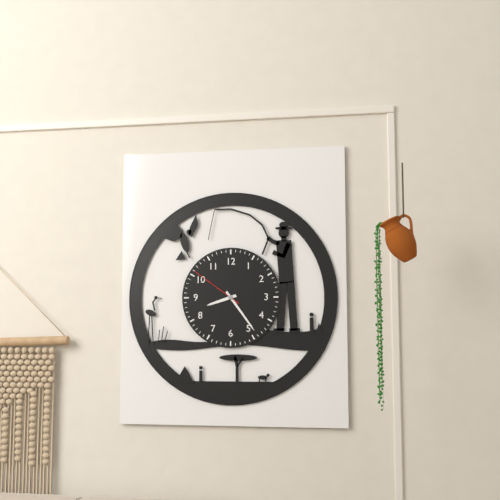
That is 8:24:51
